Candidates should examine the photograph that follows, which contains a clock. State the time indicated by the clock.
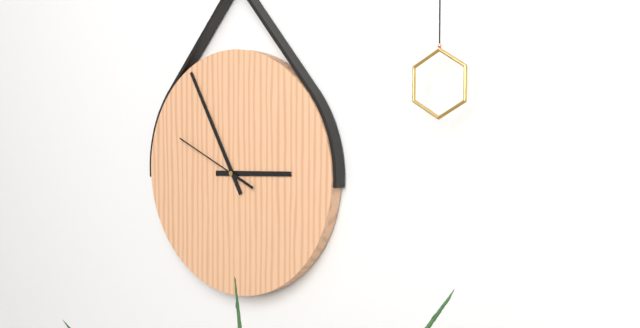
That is 2:55:49
